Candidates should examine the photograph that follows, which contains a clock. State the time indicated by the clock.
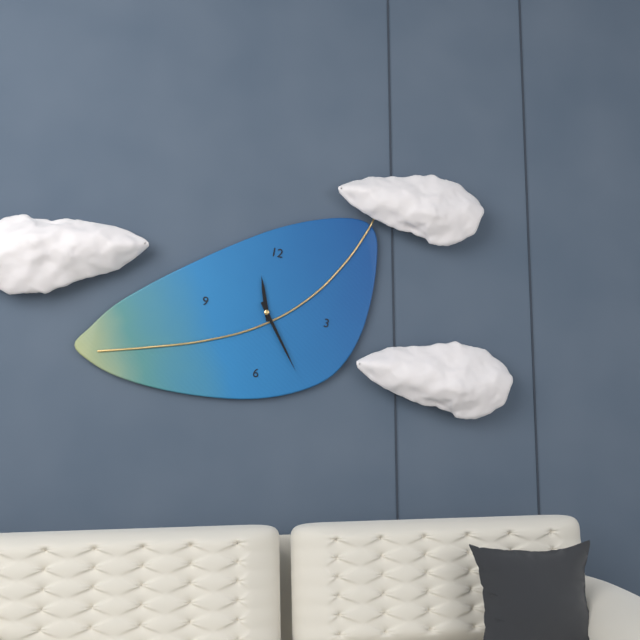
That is 11:24
